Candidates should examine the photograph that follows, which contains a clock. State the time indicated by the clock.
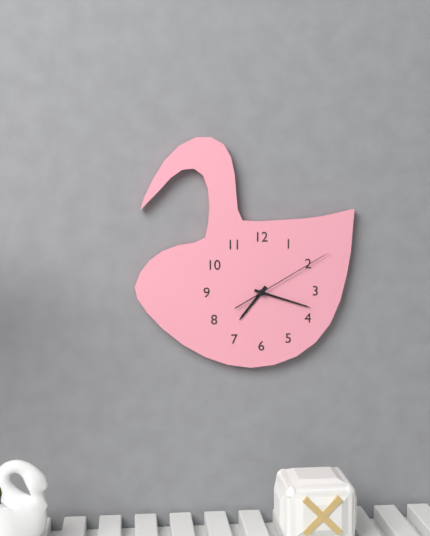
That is 7:18:10
